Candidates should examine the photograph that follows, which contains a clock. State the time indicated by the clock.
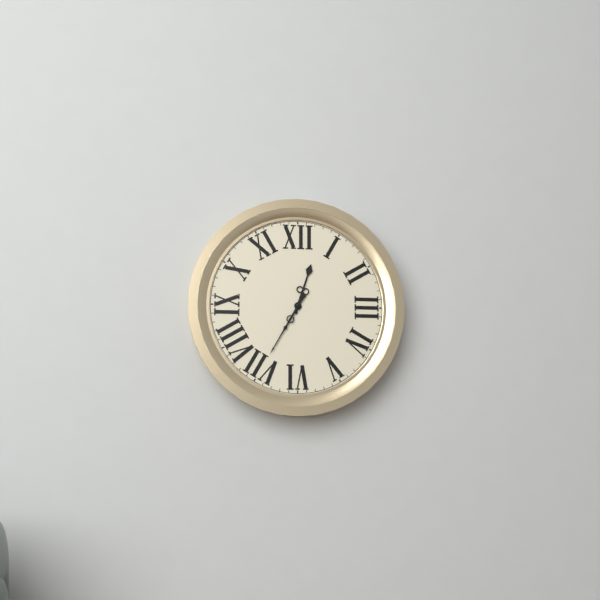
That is 12:35
